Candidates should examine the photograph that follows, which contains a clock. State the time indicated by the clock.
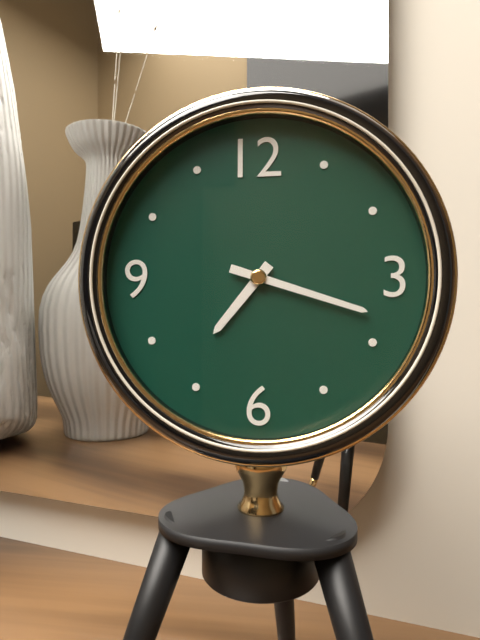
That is 7:18
